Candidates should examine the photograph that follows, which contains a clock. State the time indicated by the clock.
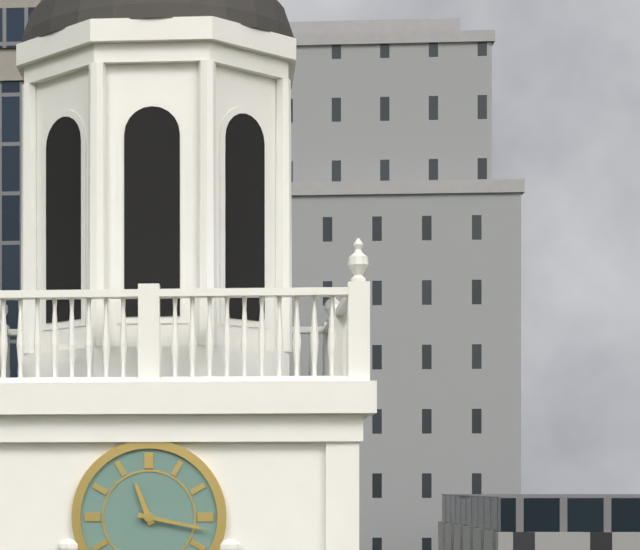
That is 11:17
